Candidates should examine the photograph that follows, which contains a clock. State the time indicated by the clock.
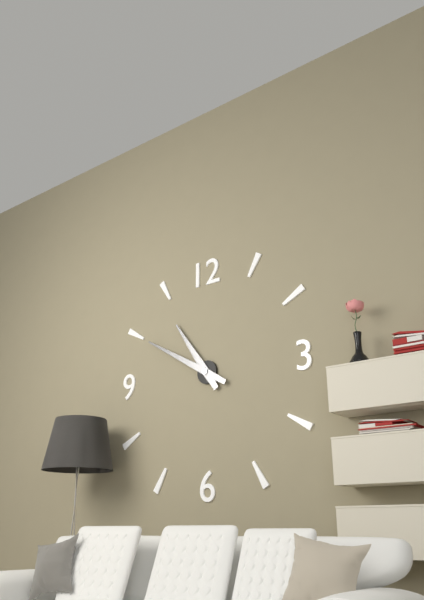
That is 10:50
